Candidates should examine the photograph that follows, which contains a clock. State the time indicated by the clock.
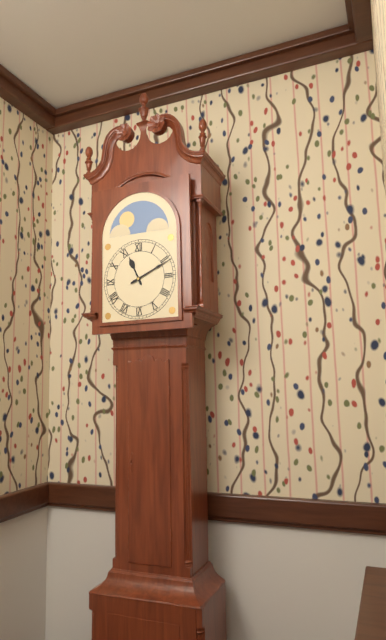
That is 11:11
